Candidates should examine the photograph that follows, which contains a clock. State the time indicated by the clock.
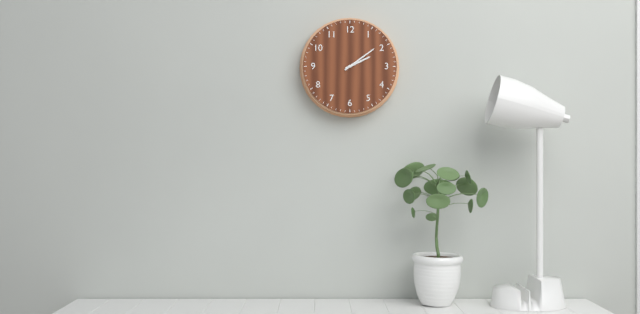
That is 2:09
